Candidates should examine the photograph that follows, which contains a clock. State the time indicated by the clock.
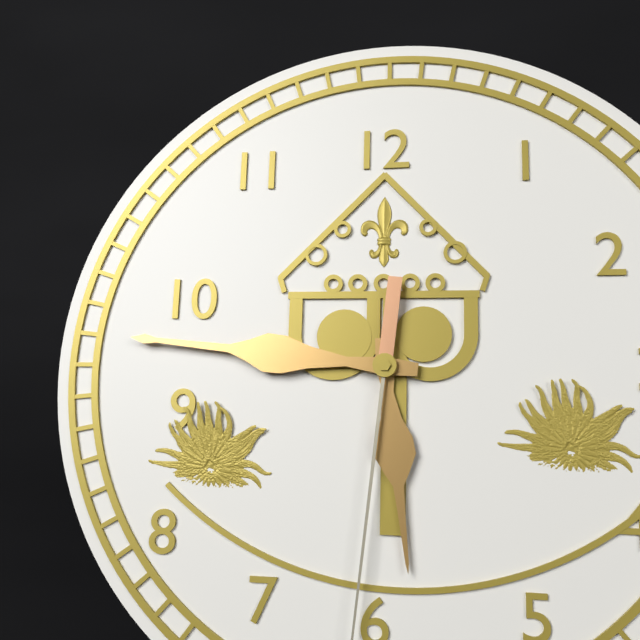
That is 5:46
